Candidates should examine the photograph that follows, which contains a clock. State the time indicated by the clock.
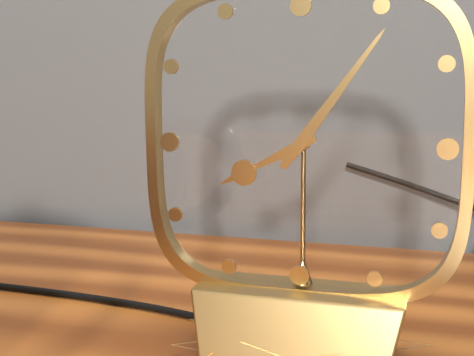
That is 8:06
